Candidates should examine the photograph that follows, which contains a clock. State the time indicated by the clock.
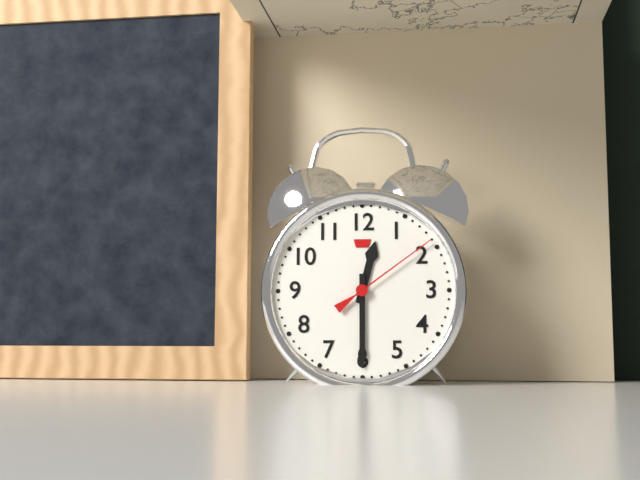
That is 12:30:09
